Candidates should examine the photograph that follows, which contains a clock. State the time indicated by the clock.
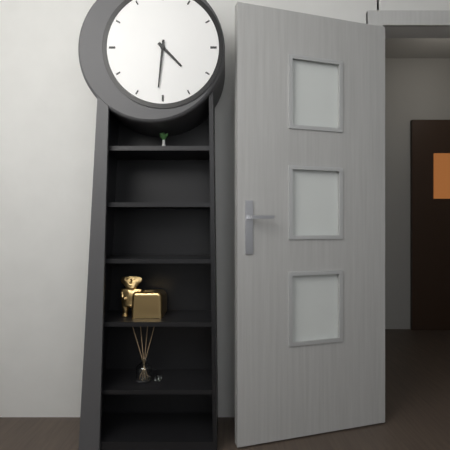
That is 4:31
